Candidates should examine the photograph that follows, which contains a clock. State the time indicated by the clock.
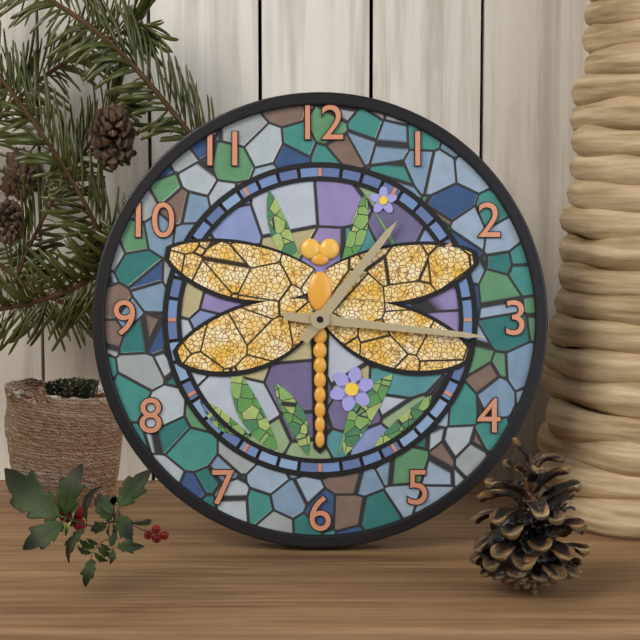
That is 1:16
